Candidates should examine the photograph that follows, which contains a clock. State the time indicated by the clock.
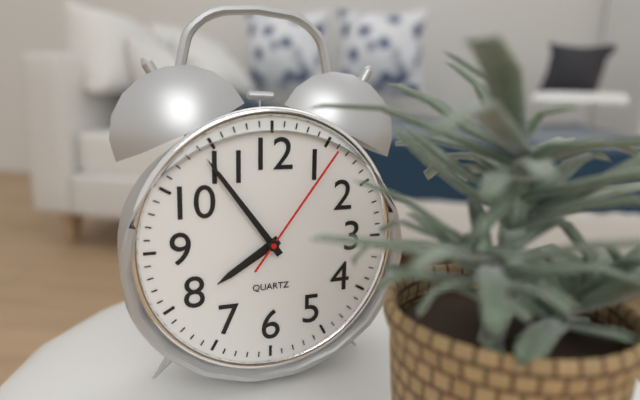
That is 7:54:06
